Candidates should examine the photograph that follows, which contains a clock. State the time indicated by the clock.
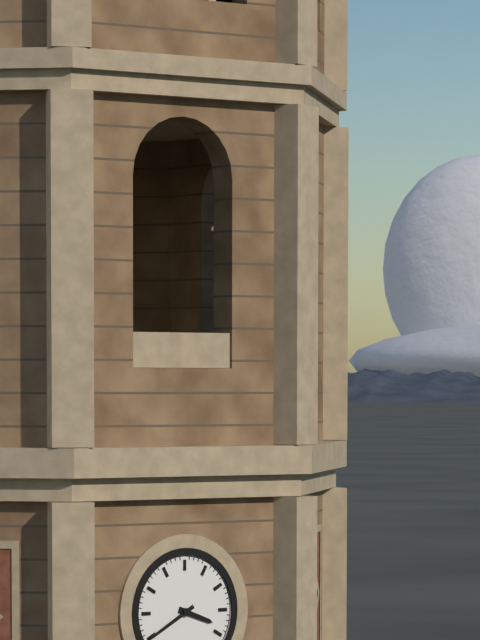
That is 3:40
